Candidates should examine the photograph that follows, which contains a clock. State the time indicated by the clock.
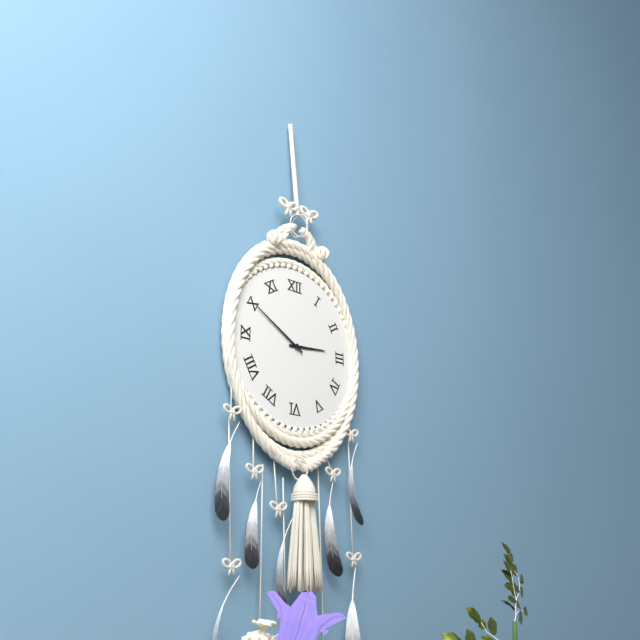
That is 2:50
